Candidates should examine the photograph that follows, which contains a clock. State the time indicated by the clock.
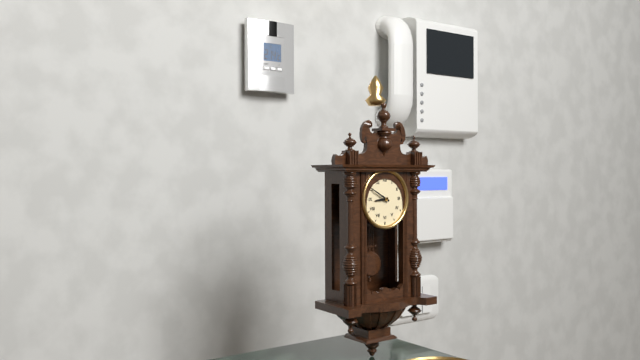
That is 8:50
